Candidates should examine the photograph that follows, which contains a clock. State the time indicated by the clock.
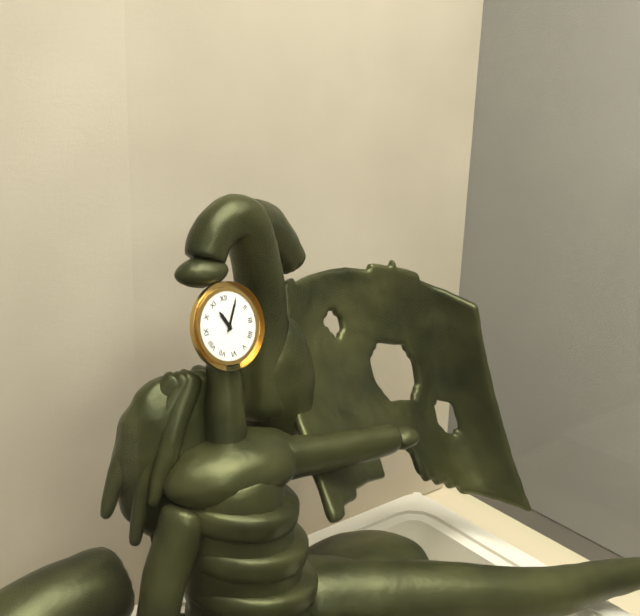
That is 11:05
